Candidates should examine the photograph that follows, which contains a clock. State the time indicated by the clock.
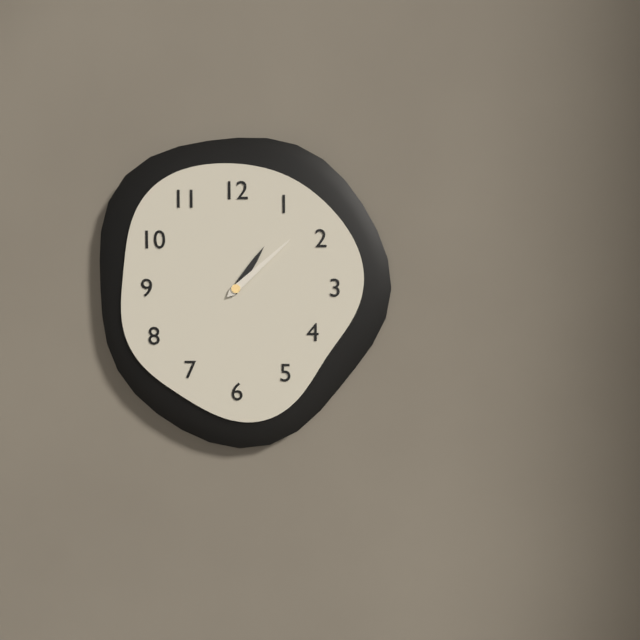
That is 1:08
